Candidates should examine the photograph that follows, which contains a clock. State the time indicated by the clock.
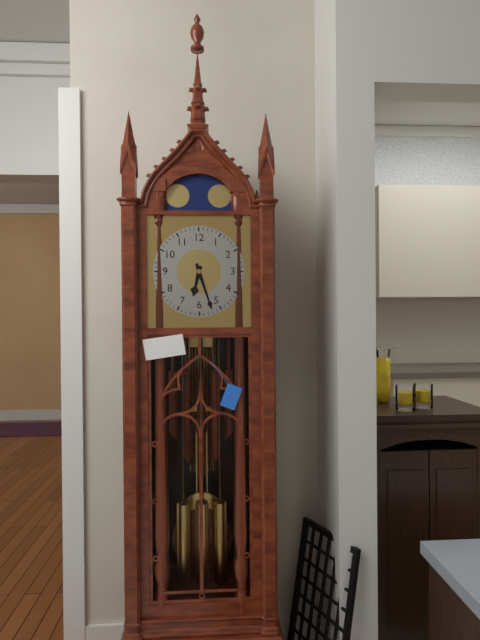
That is 6:27
